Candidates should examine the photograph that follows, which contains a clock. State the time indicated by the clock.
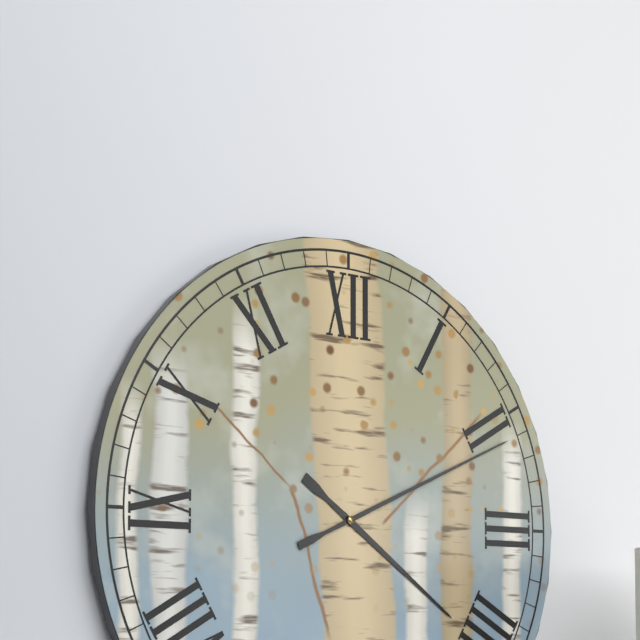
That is 4:11
